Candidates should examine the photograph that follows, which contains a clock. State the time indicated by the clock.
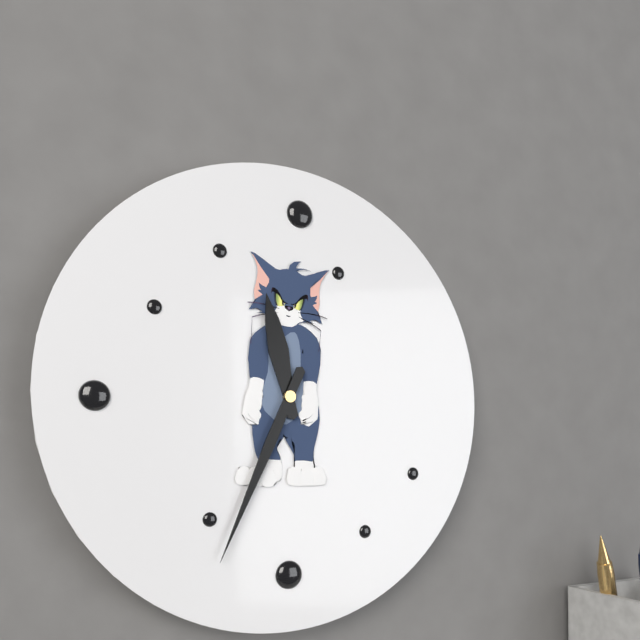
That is 11:34
